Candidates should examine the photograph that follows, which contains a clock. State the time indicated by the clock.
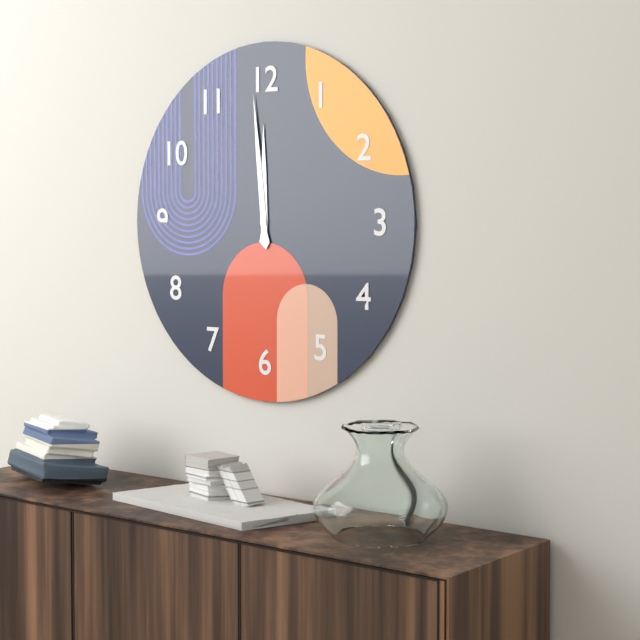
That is 11:59
